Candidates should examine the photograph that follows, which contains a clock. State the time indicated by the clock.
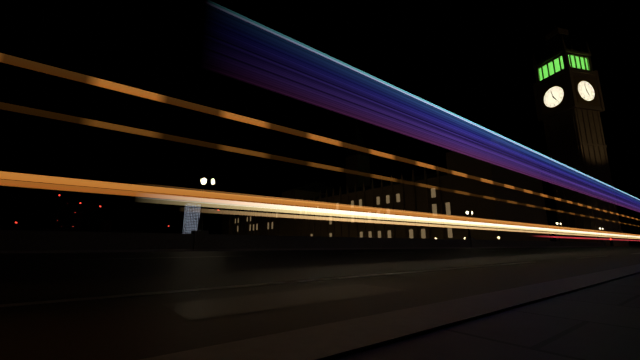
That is 4:58
